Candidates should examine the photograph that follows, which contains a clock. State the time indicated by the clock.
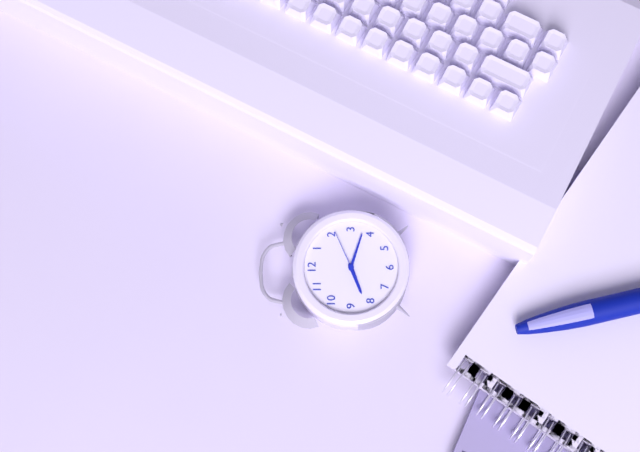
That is 8:18
